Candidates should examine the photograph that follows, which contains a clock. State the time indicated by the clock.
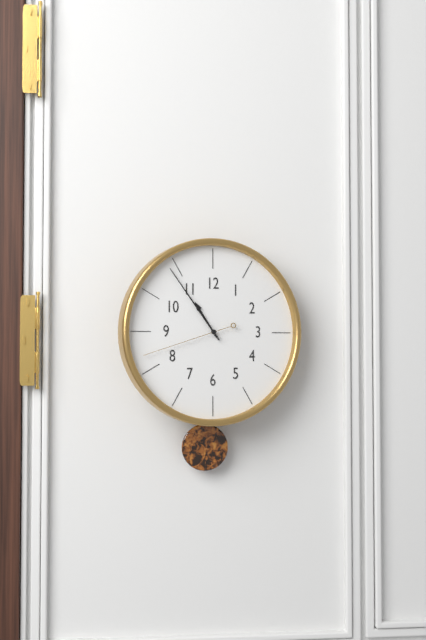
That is 10:54:42
